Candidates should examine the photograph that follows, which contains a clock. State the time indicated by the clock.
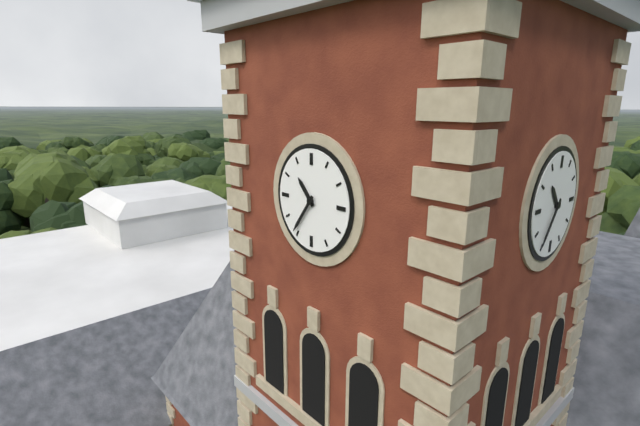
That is 10:36
